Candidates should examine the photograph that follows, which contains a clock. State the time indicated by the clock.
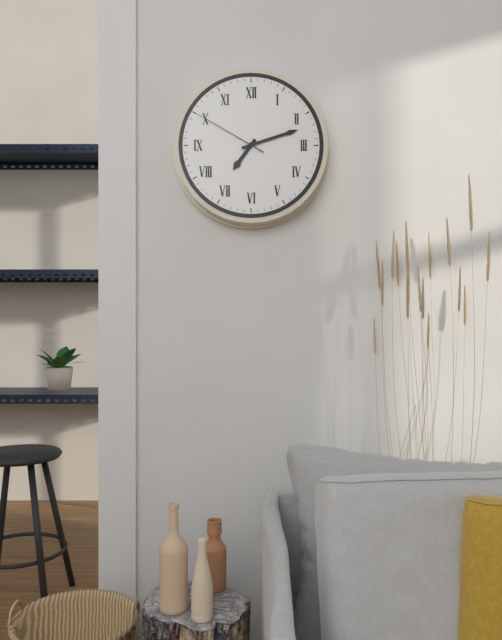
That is 7:12:50
